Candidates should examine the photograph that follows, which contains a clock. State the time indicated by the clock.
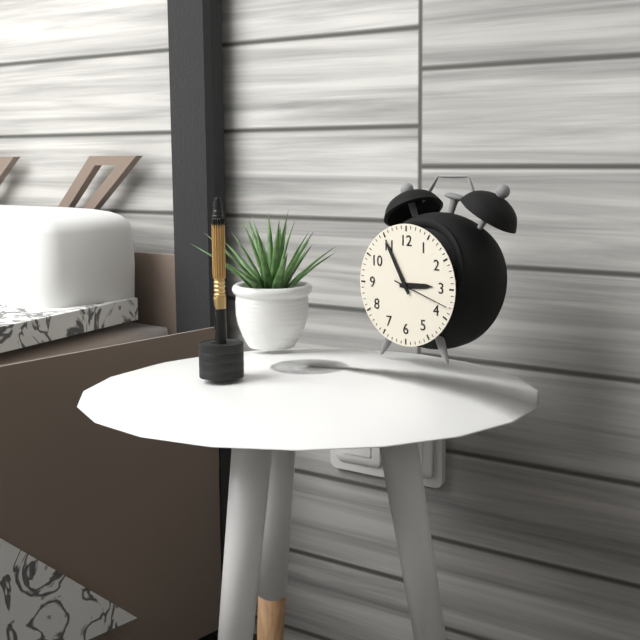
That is 2:55:18
